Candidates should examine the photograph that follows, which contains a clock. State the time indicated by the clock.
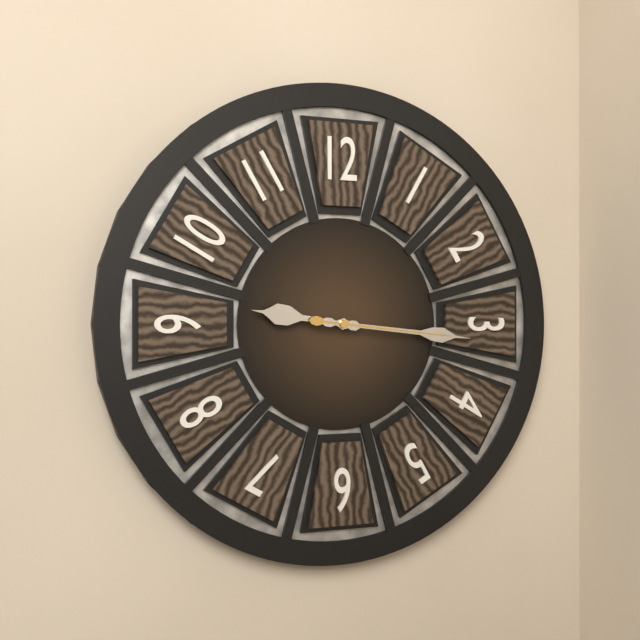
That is 9:16:16
